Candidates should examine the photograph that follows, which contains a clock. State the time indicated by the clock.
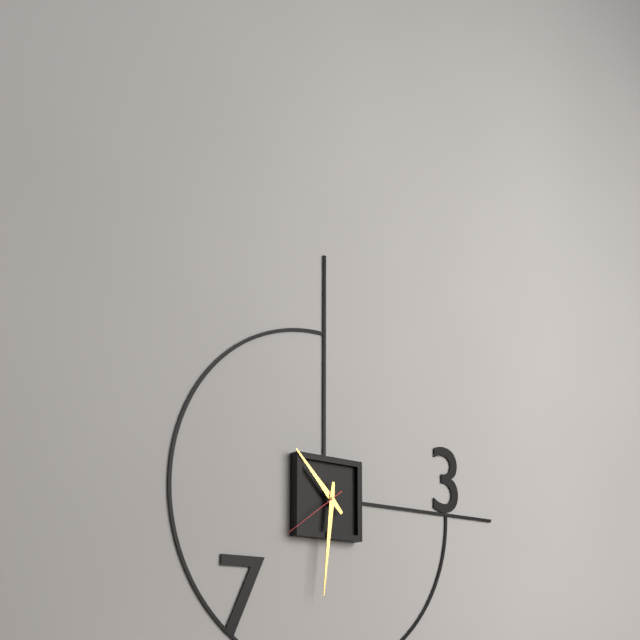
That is 10:31:39
